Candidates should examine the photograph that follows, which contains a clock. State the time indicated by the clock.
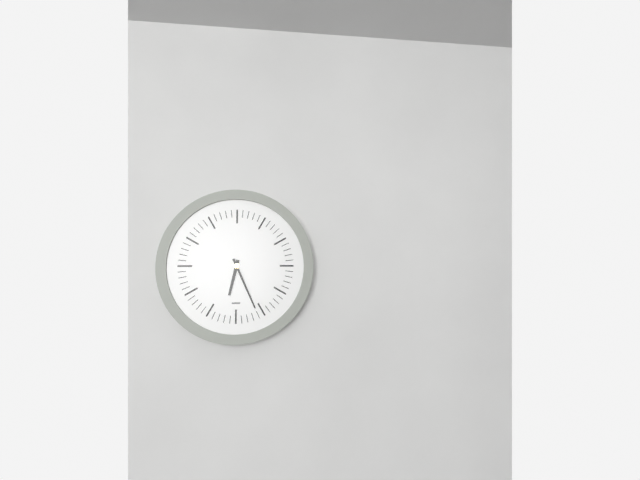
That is 6:26
